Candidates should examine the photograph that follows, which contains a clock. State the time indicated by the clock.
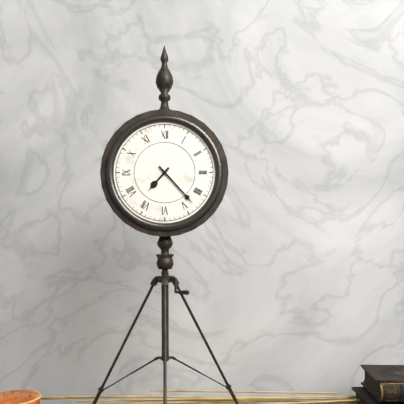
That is 7:23
